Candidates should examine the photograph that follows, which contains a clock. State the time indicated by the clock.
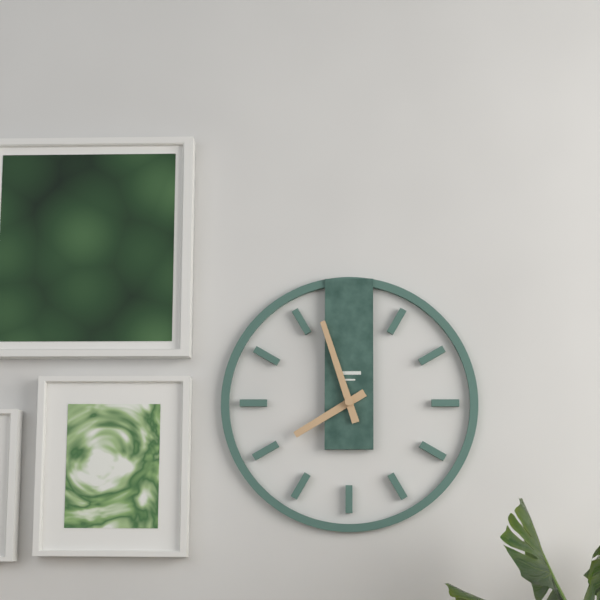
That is 7:57
